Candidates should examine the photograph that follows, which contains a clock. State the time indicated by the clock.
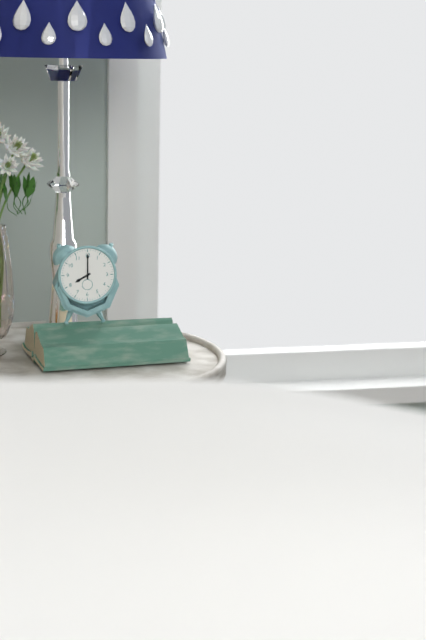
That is 8:00
